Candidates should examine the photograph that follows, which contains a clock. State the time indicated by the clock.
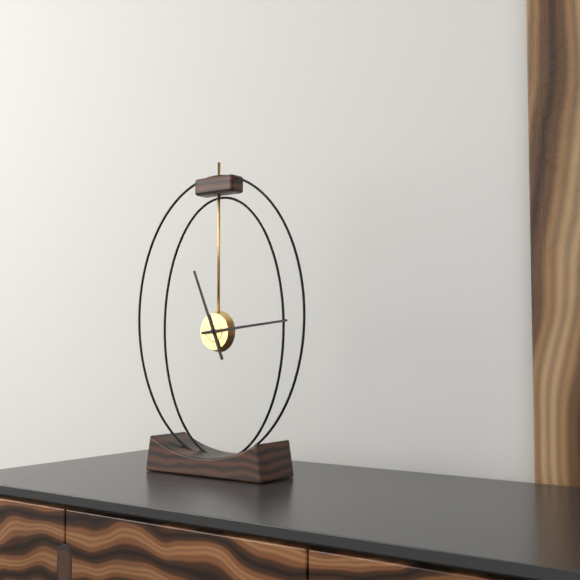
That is 11:14
